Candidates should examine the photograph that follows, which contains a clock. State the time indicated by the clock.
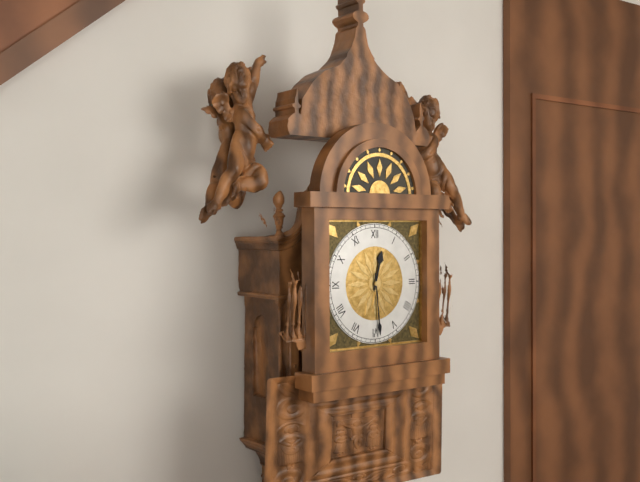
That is 12:29
